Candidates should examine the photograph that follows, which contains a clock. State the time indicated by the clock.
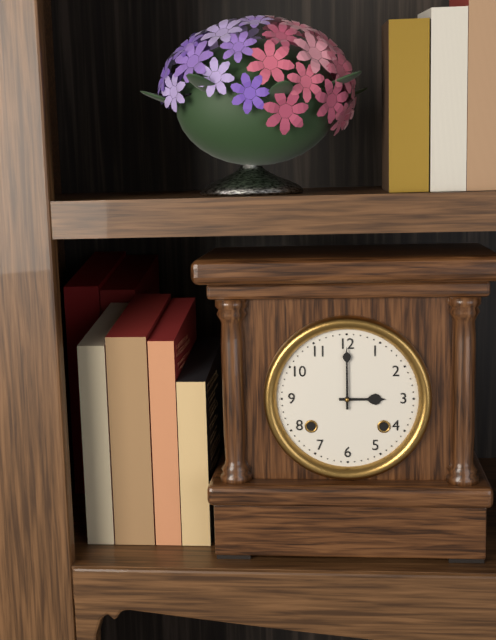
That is 3:00
